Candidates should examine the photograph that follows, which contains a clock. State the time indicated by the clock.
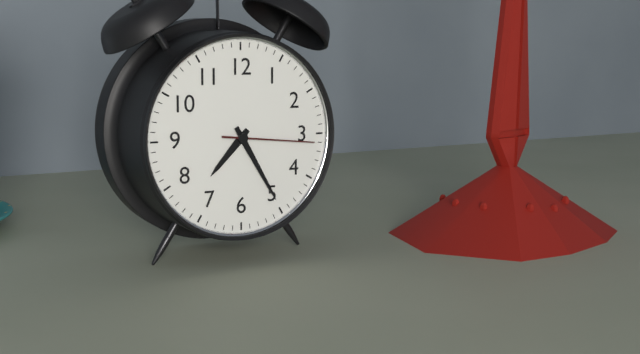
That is 7:25:16
